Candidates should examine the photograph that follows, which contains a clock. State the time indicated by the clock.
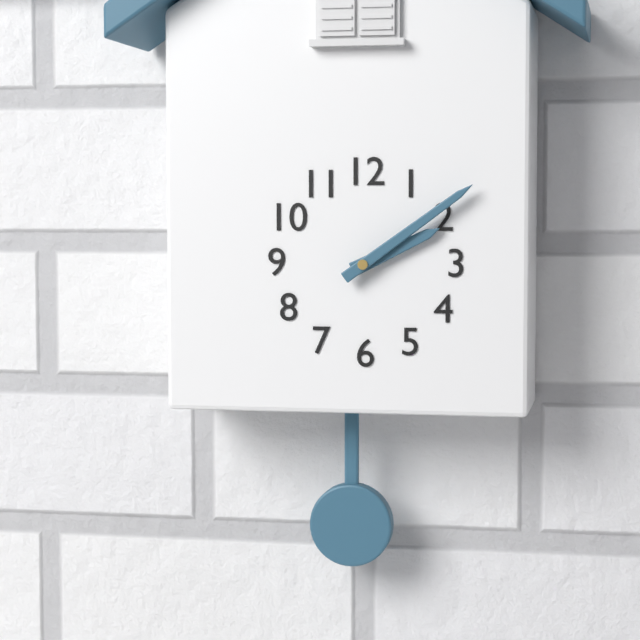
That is 2:09
